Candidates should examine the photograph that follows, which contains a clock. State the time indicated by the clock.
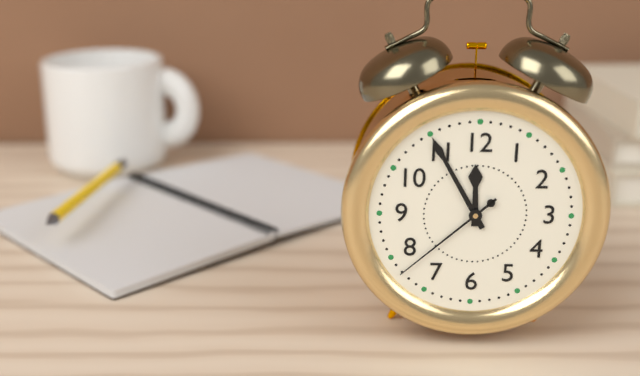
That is 11:55:38
